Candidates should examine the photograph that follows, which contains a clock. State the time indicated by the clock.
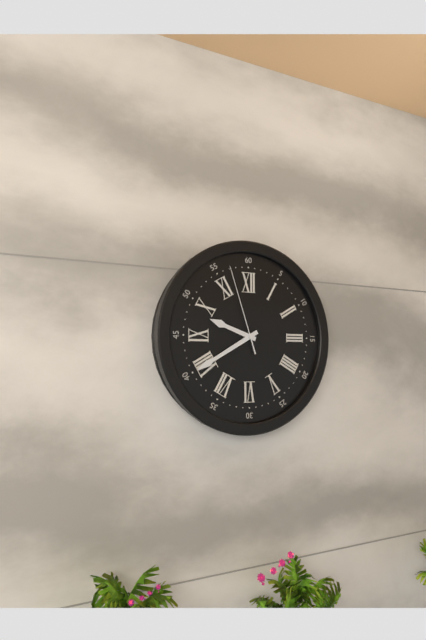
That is 9:40:57
